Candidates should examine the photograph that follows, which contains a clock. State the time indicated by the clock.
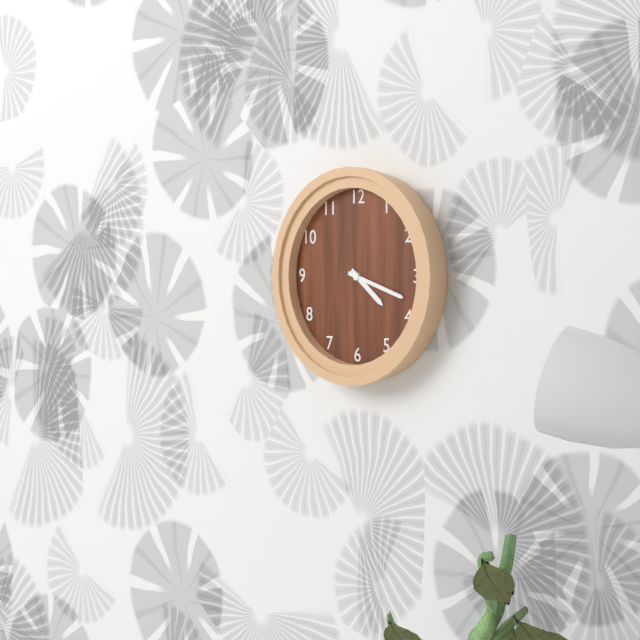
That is 4:18
